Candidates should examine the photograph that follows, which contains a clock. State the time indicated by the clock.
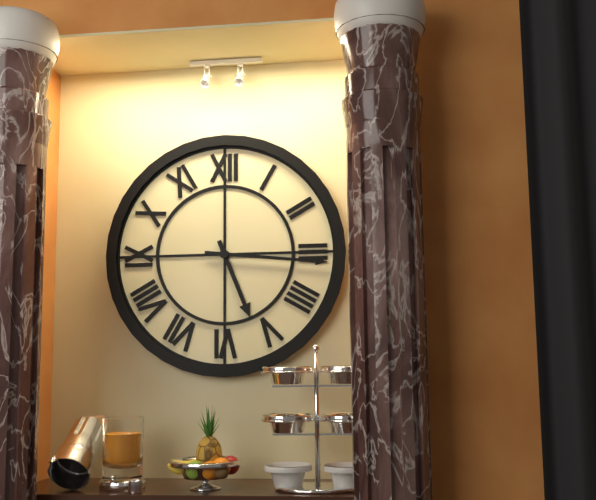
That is 5:16
